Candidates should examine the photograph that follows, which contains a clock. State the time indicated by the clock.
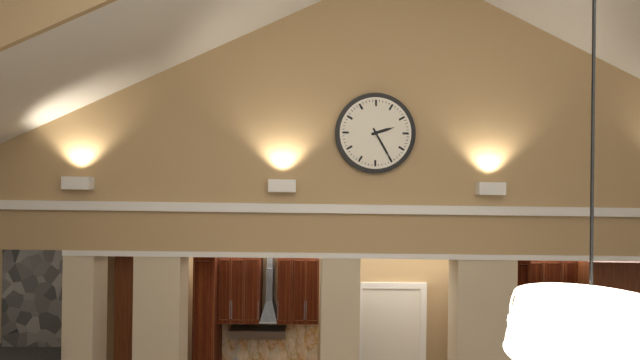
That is 2:25
